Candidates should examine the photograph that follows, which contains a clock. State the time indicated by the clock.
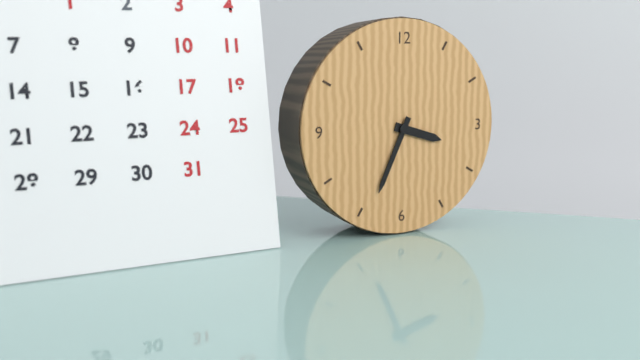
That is 3:34
